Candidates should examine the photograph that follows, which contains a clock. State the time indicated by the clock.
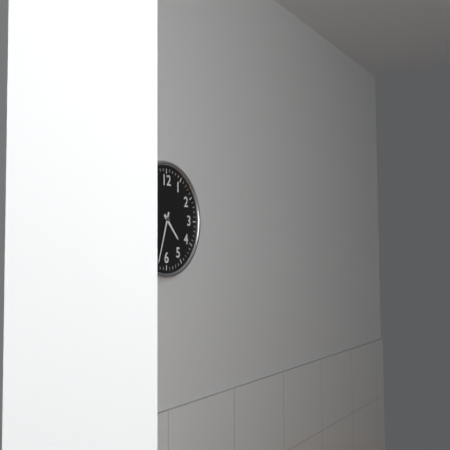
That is 4:33
